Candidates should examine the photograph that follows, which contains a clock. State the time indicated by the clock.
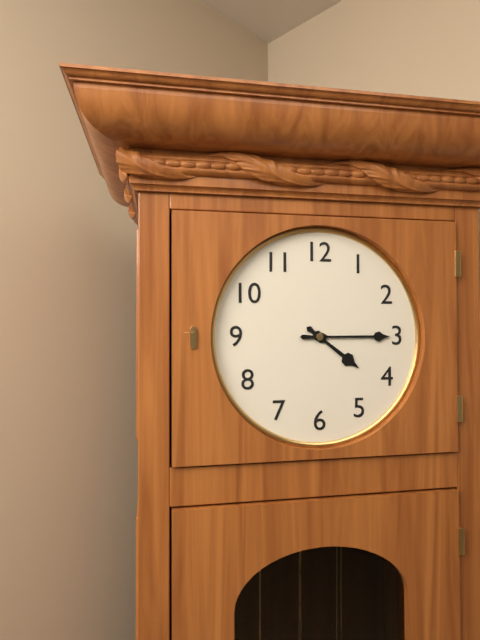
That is 4:15
